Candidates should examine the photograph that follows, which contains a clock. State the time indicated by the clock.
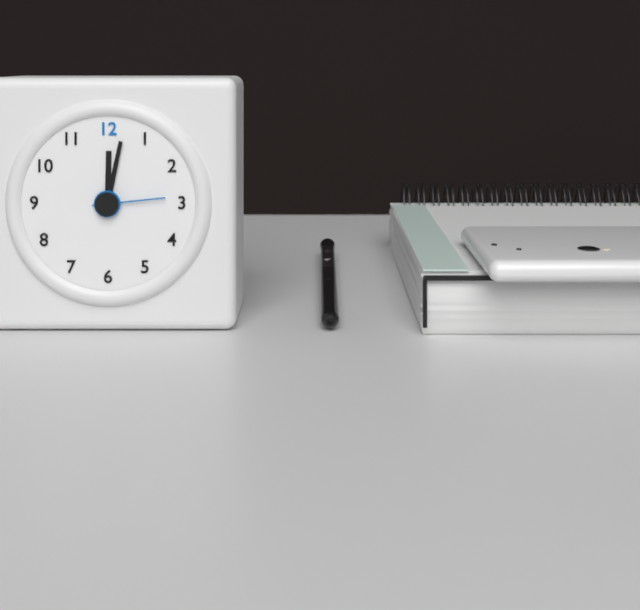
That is 12:02:14
